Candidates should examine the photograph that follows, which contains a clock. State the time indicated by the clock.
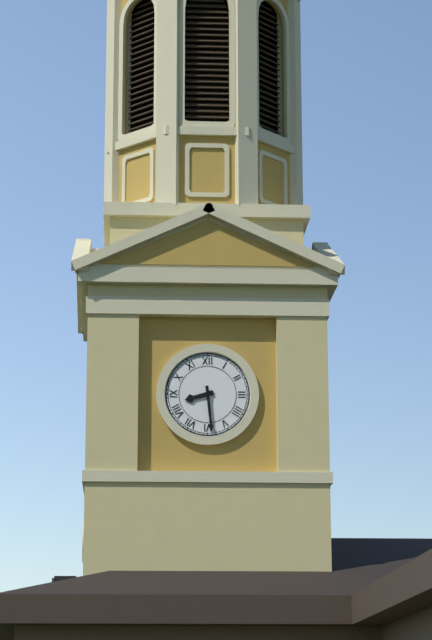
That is 8:29
